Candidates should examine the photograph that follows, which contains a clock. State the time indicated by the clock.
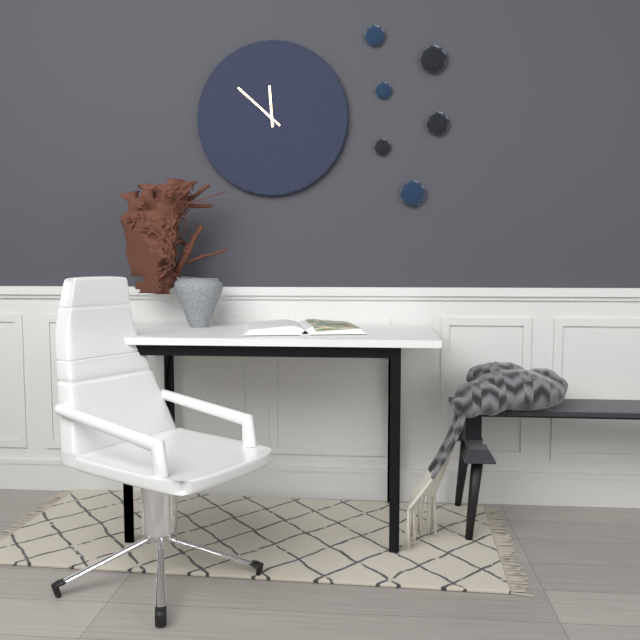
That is 11:52
